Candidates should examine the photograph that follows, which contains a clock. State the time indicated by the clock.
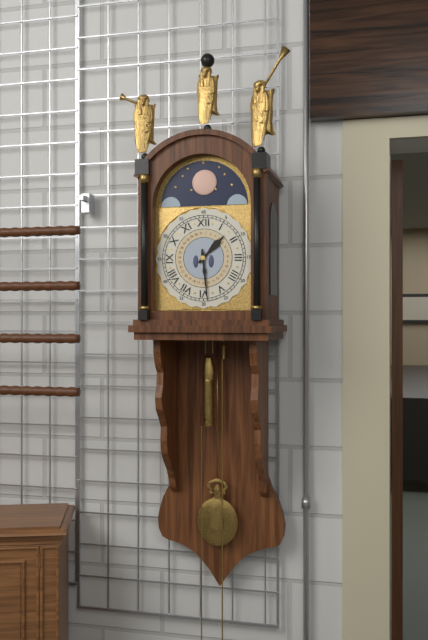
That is 1:29
